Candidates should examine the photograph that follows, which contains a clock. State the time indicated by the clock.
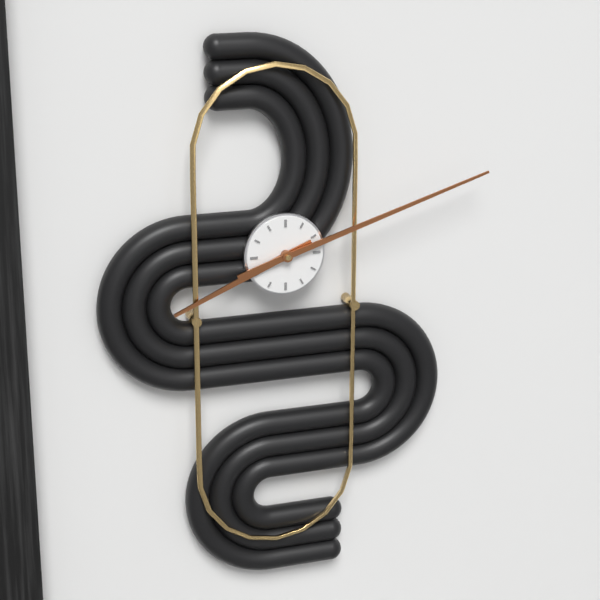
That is 8:12
